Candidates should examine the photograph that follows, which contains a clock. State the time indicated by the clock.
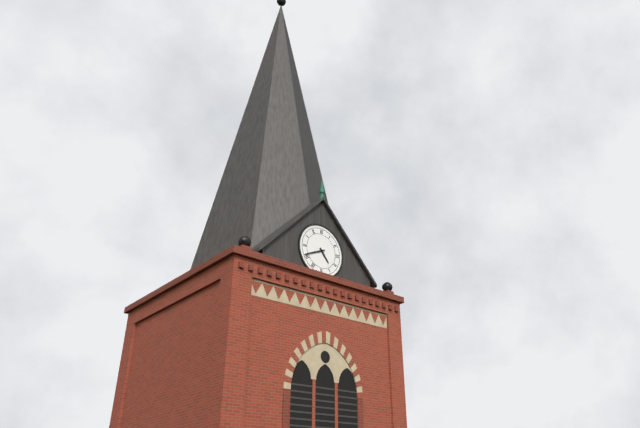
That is 4:41
